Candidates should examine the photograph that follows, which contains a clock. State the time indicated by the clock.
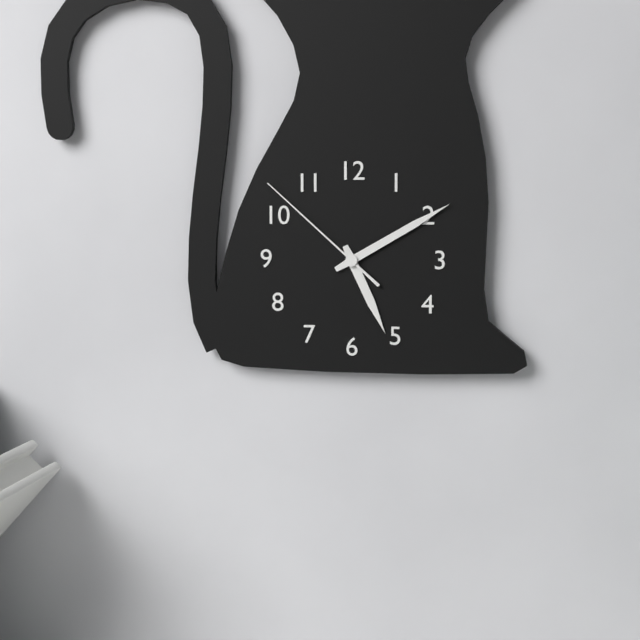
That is 5:10:52
